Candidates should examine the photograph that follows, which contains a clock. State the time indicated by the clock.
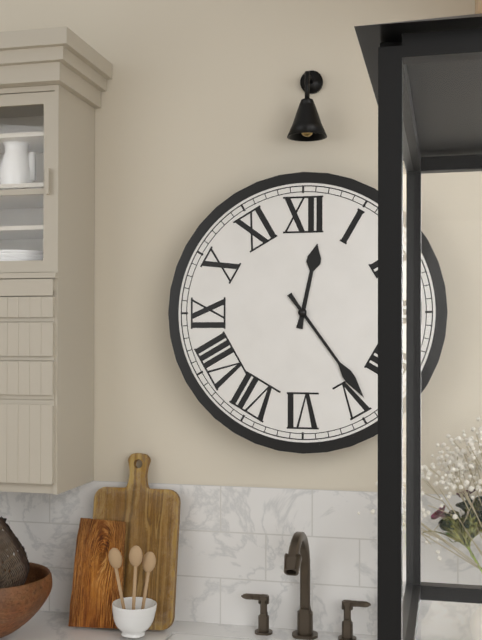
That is 12:24
